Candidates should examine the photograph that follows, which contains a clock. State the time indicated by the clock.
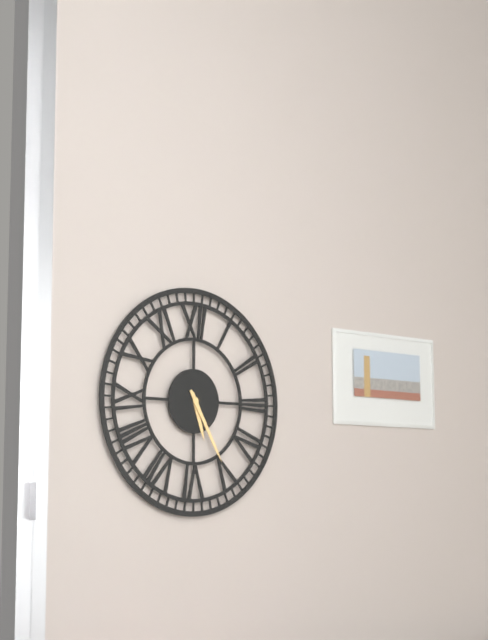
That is 5:25
